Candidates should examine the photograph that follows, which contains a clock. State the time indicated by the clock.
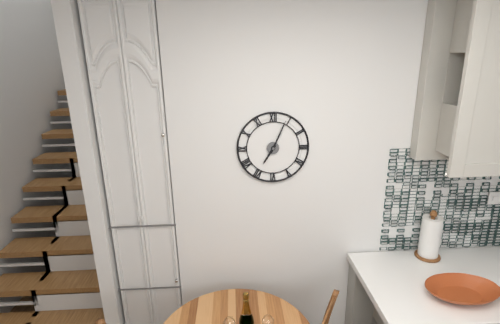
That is 7:04
